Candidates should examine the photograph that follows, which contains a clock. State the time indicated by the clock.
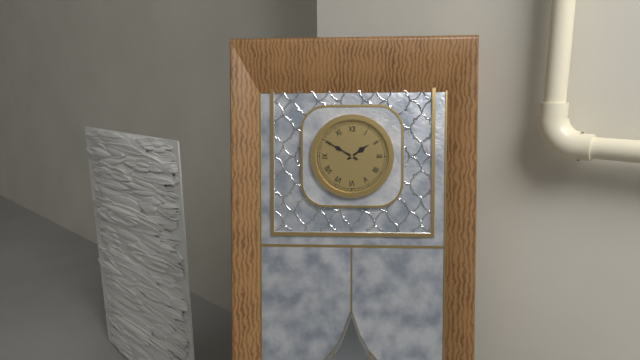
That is 1:50
